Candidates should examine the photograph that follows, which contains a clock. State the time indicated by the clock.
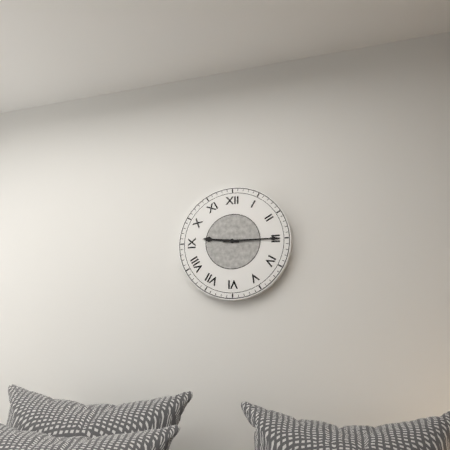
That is 9:15
